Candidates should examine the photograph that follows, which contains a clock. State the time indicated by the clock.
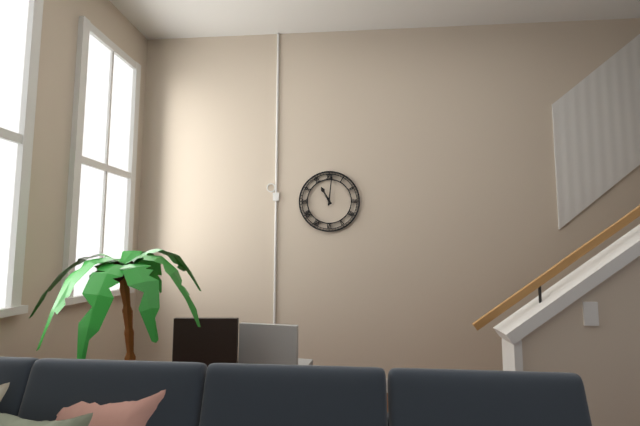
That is 11:01
